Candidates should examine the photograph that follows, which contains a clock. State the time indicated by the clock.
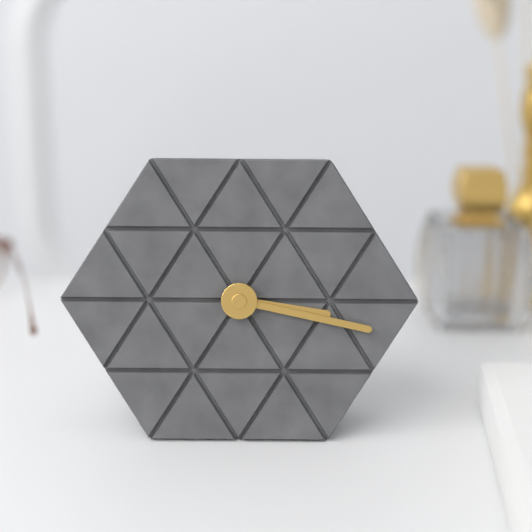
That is 3:17
